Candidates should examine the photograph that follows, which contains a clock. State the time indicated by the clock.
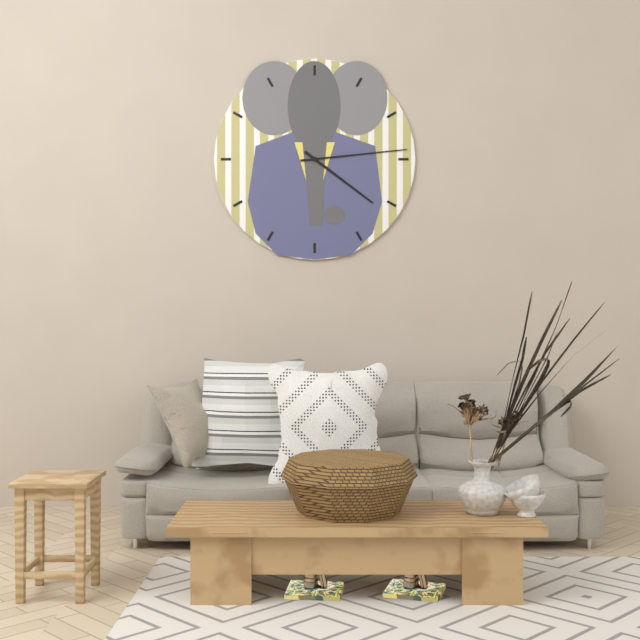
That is 4:14
